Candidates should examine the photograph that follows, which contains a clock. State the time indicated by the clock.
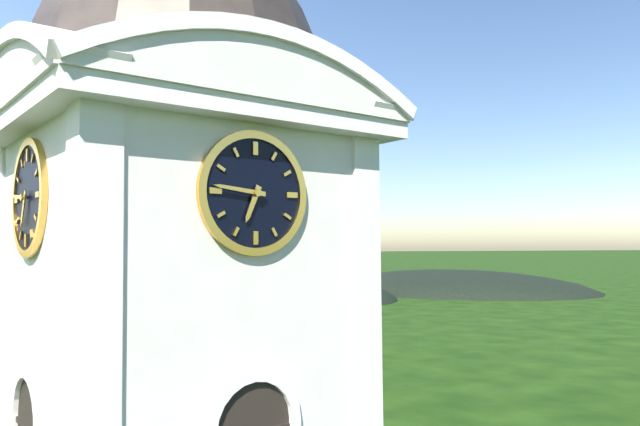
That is 6:46
